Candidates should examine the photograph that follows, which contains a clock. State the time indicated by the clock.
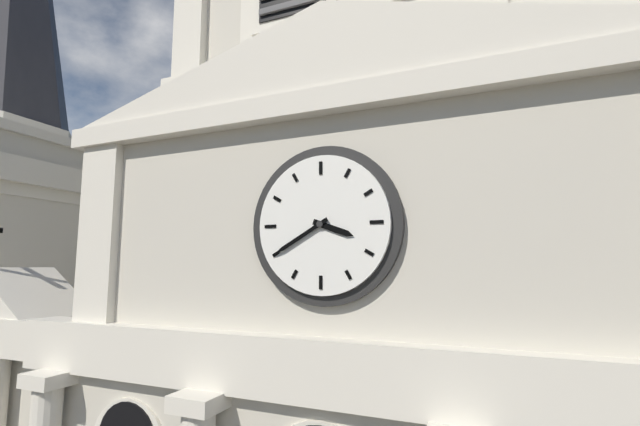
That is 3:40
